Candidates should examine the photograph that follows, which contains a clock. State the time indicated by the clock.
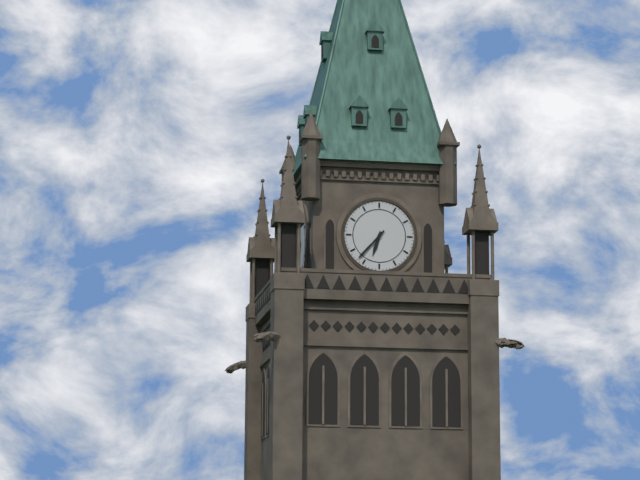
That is 6:37
